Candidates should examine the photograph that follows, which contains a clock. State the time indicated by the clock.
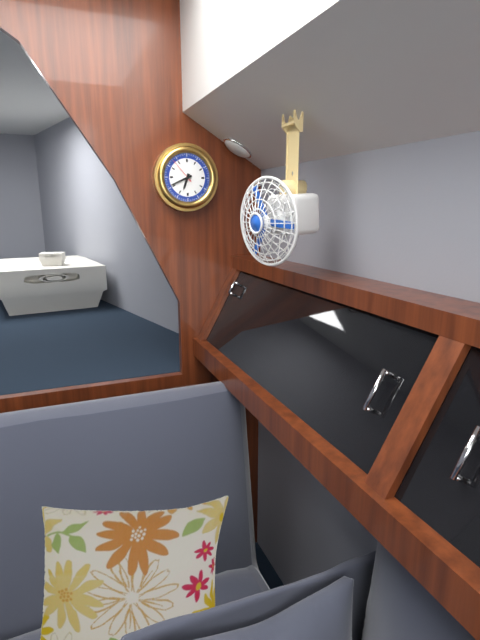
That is 6:41
